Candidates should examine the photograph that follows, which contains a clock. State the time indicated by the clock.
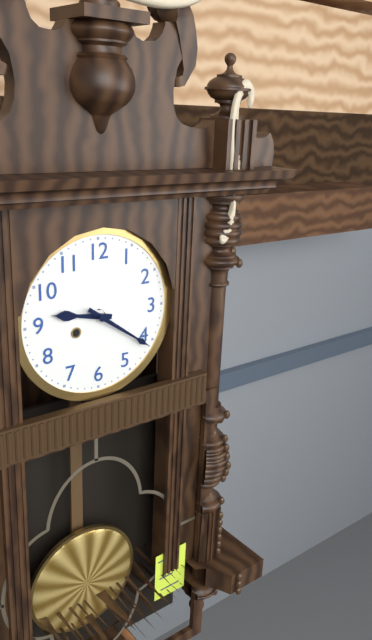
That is 9:21
